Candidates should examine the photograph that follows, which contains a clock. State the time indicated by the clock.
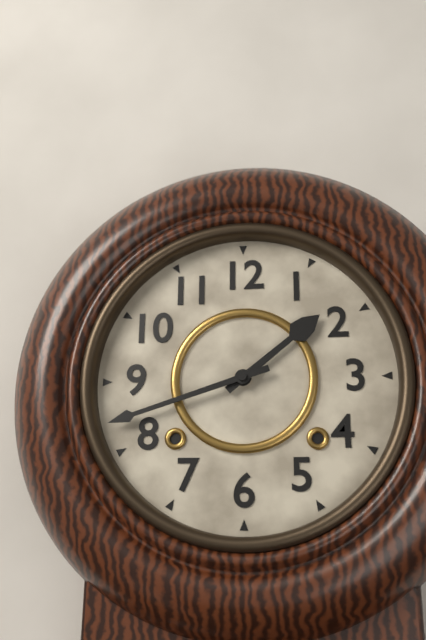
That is 1:42
